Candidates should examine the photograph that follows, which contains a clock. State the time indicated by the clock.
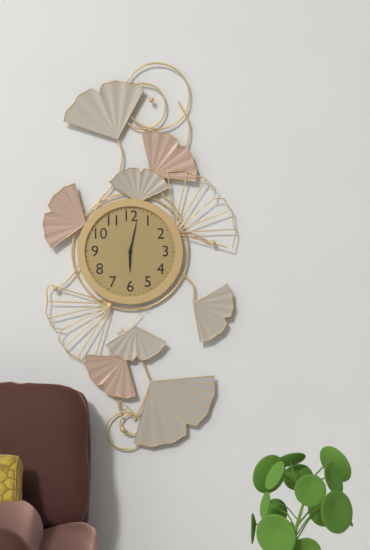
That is 6:02
